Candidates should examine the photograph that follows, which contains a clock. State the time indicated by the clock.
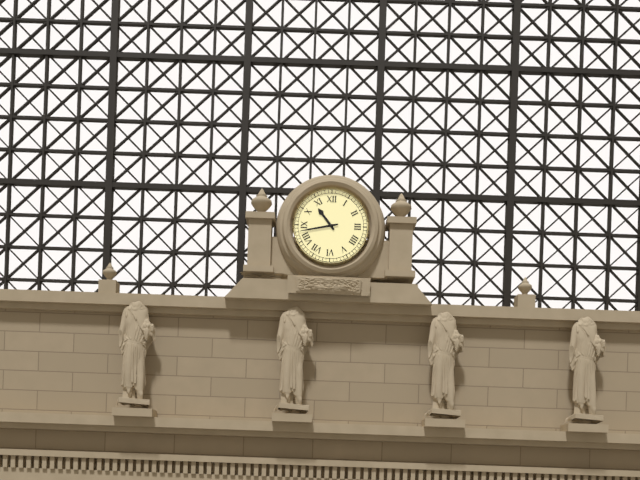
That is 10:43
